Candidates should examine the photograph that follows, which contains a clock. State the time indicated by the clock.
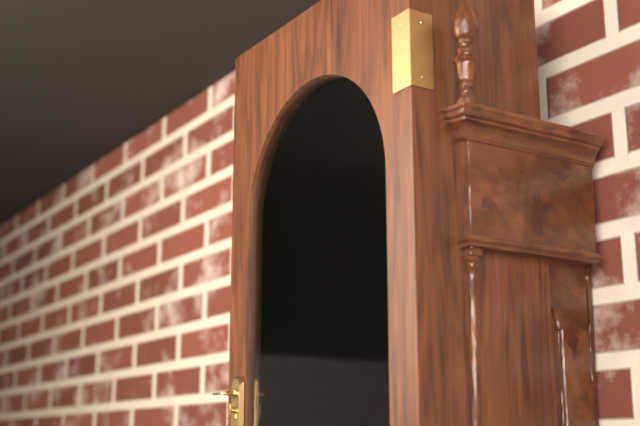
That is 9:09
